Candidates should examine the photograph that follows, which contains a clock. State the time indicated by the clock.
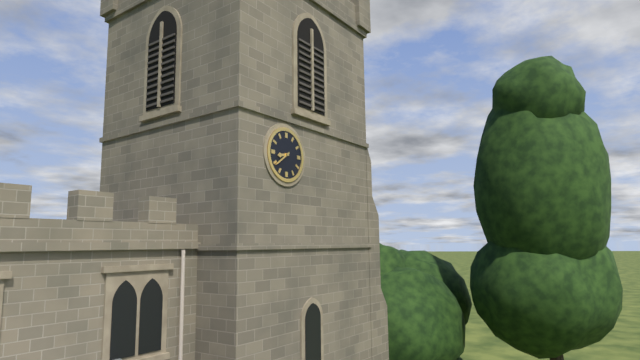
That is 8:39
